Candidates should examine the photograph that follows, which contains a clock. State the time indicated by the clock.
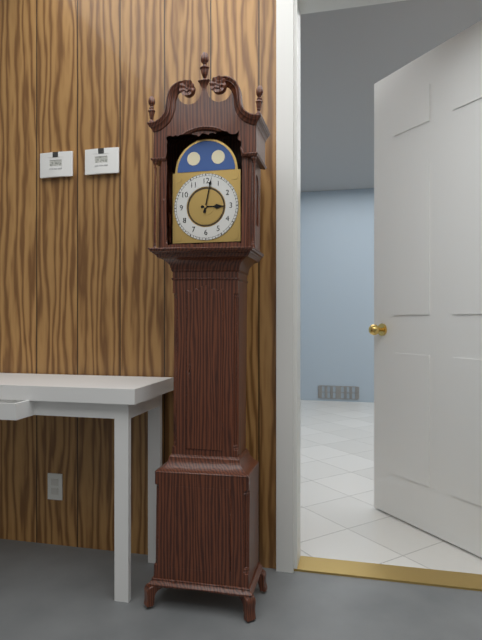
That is 3:02
